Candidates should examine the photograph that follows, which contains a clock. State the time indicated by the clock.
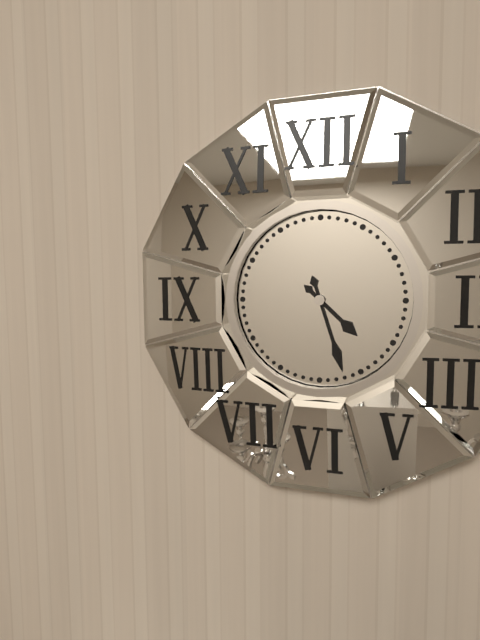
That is 4:27
